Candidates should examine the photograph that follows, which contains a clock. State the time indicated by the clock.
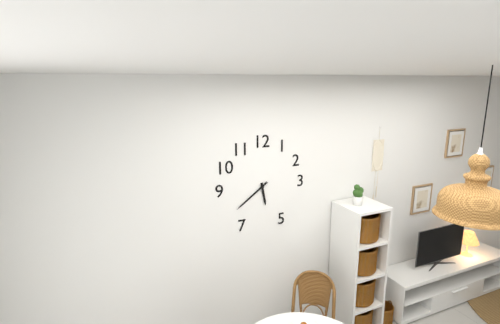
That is 5:39
